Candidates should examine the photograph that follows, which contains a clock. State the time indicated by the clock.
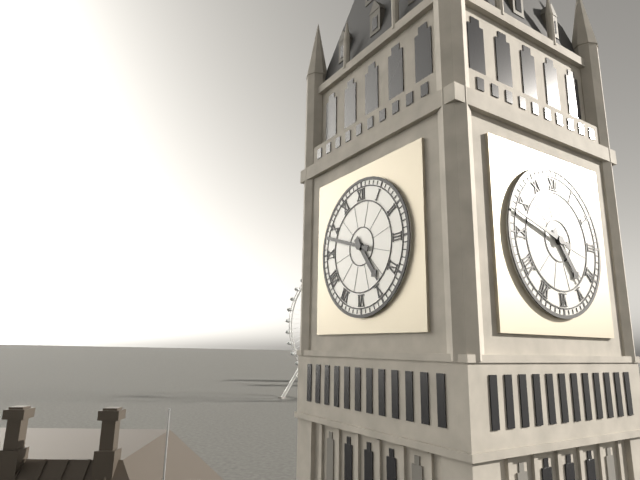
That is 4:48
